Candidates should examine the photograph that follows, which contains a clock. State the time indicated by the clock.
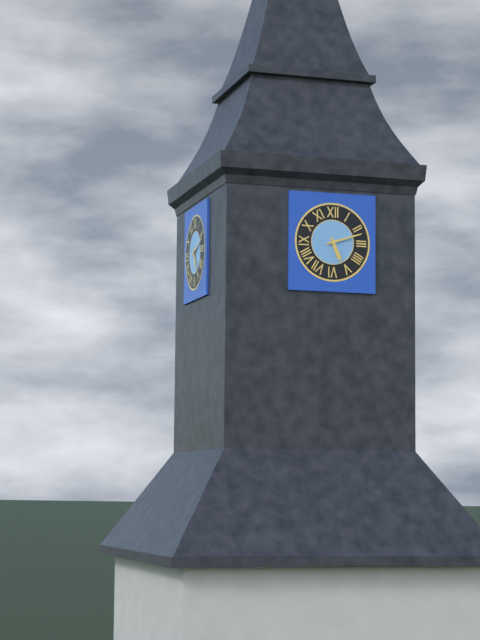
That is 5:12
